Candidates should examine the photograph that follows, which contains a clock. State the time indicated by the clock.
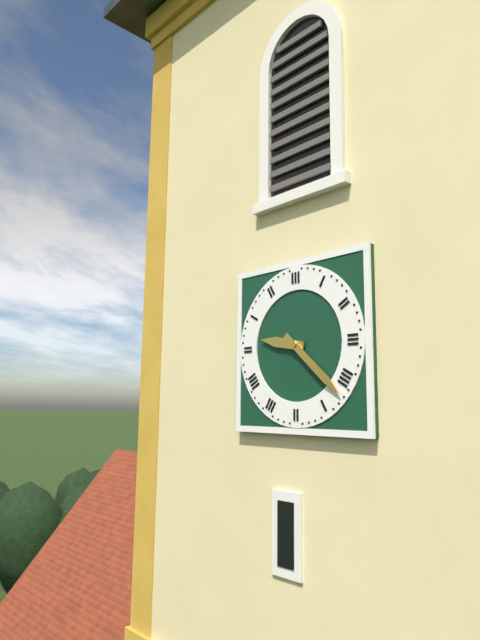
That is 9:22
